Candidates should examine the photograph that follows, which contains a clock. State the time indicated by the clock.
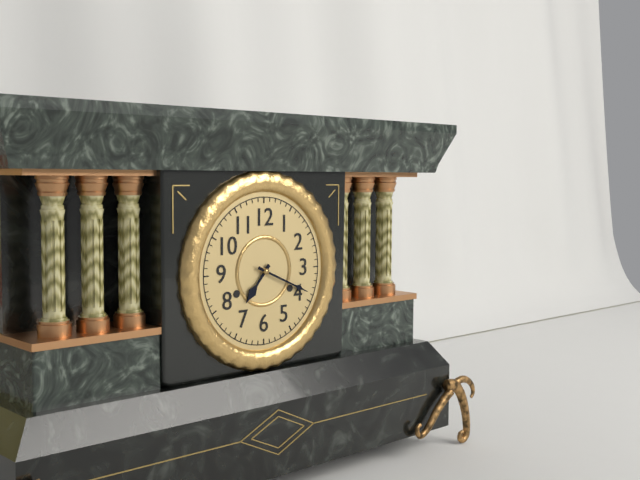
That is 7:19
